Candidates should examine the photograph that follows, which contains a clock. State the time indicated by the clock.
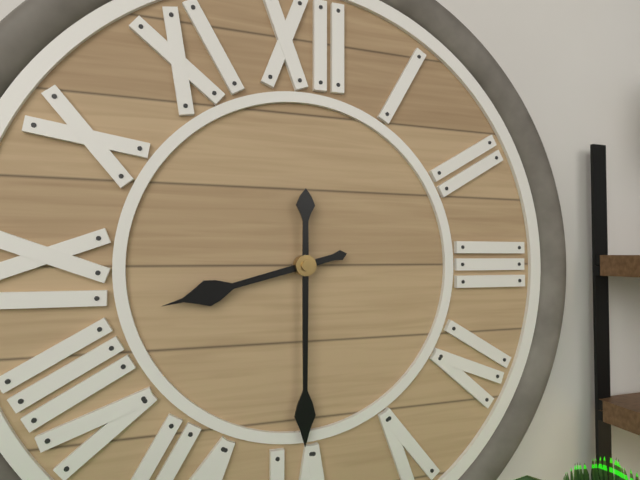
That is 8:30
